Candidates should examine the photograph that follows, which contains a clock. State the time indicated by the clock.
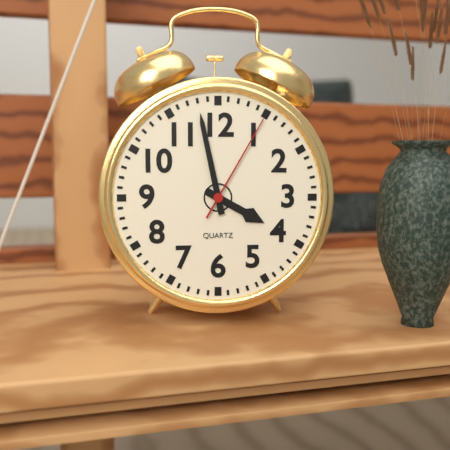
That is 3:58:05
